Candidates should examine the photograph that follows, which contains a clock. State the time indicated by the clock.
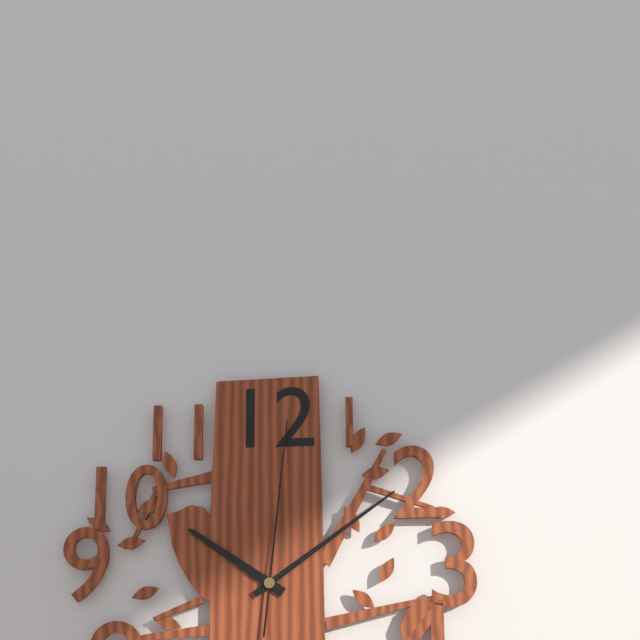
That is 10:09:01
